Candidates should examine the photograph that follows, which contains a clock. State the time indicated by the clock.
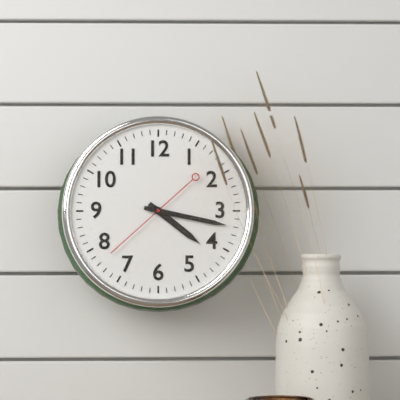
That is 4:17:38
